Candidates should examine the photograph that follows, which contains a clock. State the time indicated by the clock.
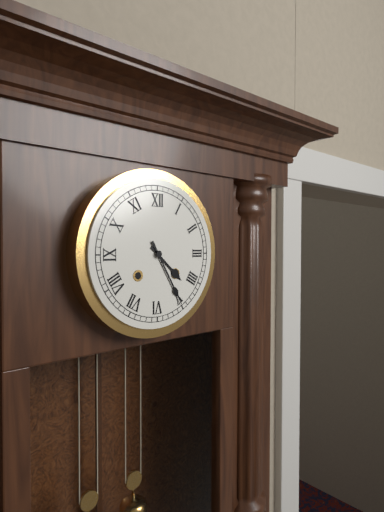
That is 4:25
